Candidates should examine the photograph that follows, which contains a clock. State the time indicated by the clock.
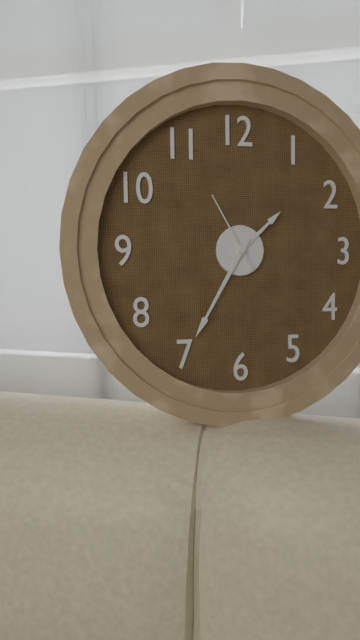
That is 1:35:55
